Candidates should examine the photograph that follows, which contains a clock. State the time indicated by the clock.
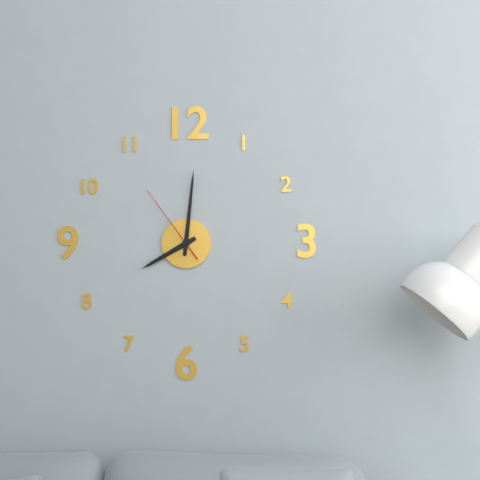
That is 8:01:54
